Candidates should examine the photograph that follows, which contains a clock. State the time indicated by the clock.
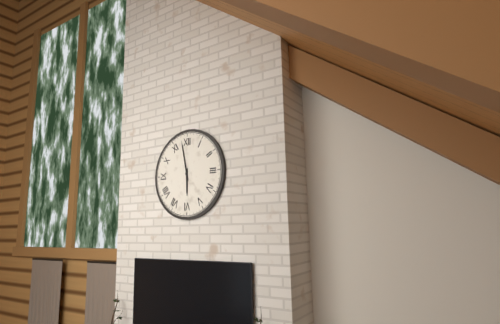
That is 5:58
